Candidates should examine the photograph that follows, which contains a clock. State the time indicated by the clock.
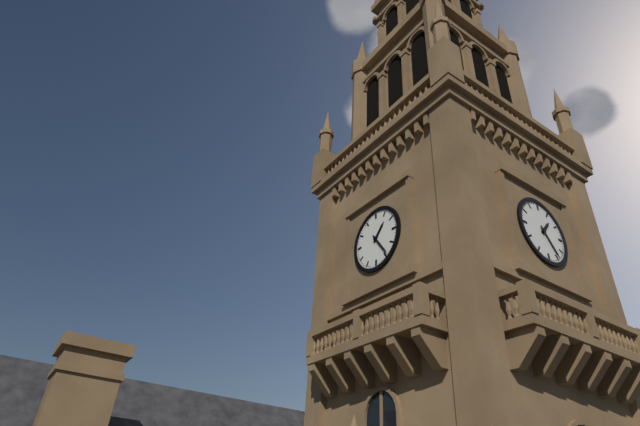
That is 1:24
